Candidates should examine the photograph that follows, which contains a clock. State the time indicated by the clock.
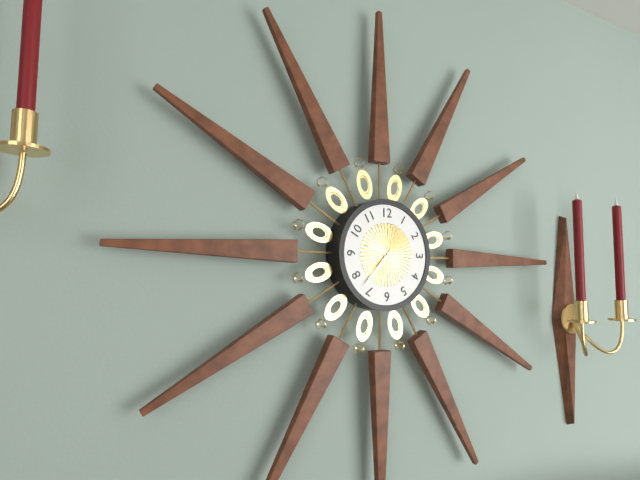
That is 9:37
